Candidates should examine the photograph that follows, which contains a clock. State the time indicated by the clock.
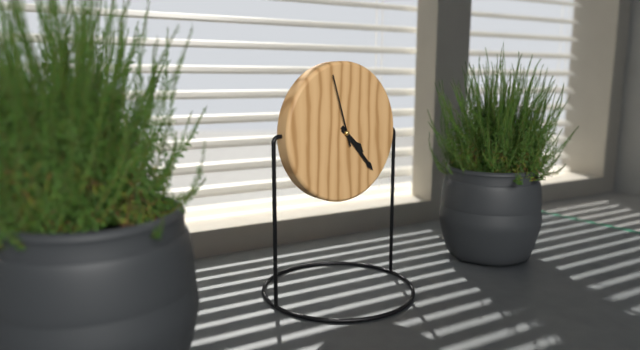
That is 4:23:57
